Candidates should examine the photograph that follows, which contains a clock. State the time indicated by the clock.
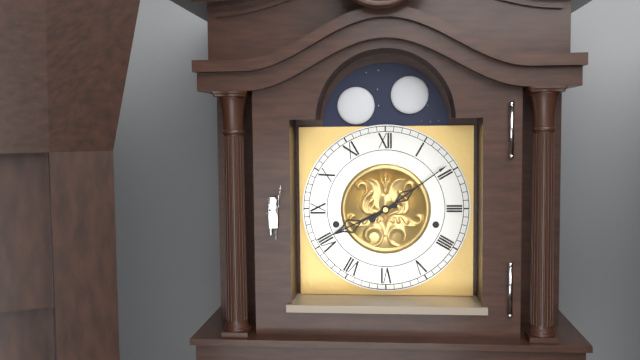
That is 8:09
